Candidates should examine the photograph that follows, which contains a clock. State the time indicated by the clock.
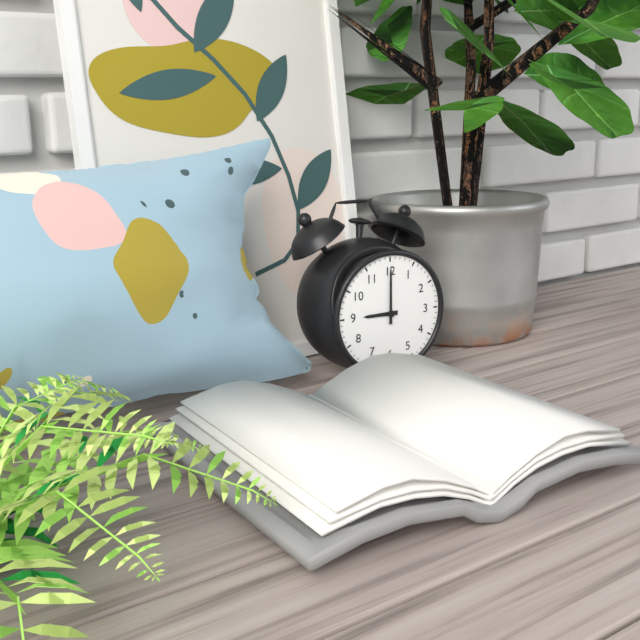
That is 9:00
